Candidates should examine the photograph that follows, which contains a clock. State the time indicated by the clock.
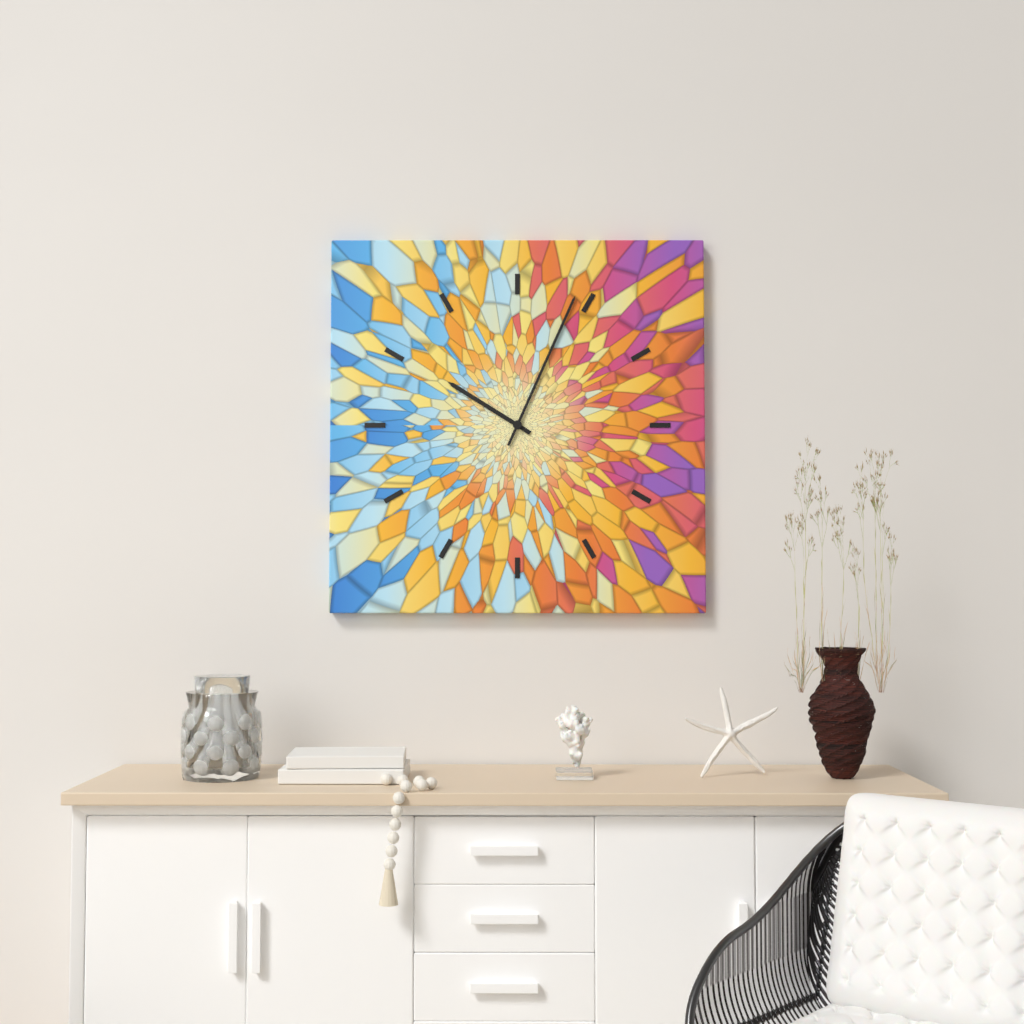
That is 10:04
